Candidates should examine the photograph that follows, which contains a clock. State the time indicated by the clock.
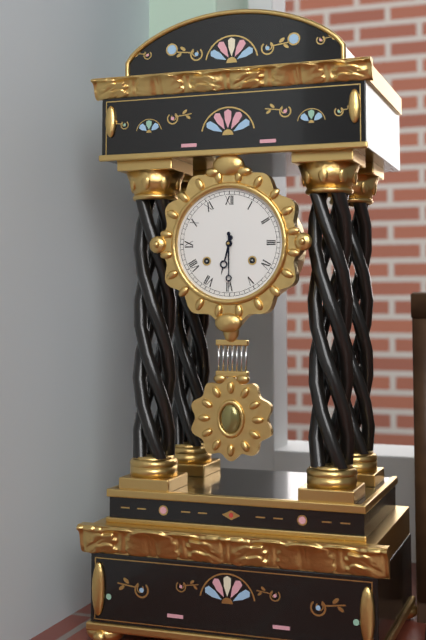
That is 6:30
